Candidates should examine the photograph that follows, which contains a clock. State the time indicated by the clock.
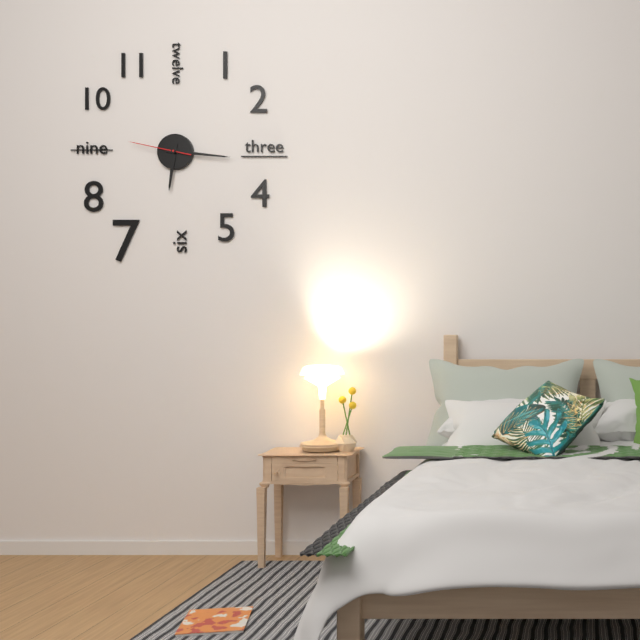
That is 6:16:47
